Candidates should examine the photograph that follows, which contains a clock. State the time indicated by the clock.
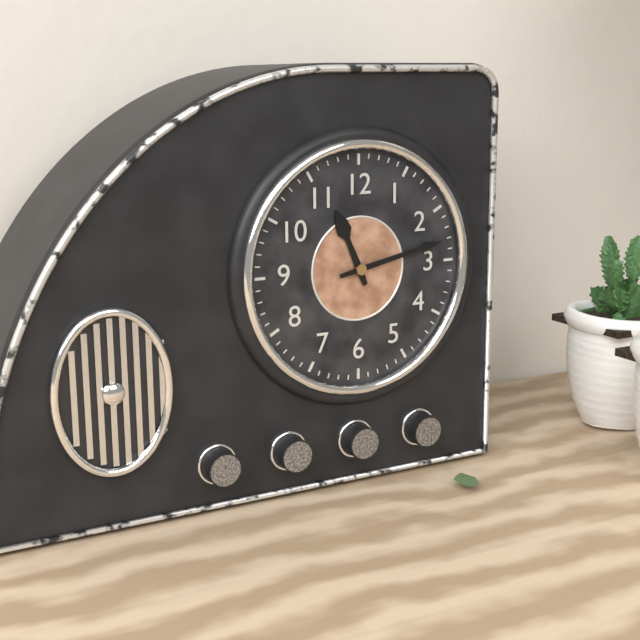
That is 11:13
